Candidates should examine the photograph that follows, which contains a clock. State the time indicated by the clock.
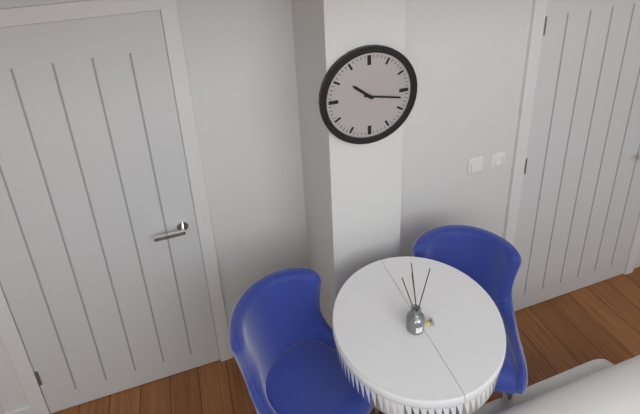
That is 10:17
